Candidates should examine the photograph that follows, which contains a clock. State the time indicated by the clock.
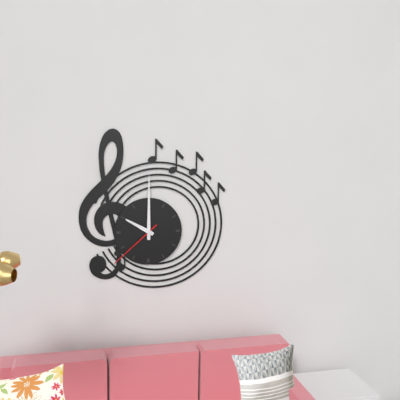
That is 10:00:38
